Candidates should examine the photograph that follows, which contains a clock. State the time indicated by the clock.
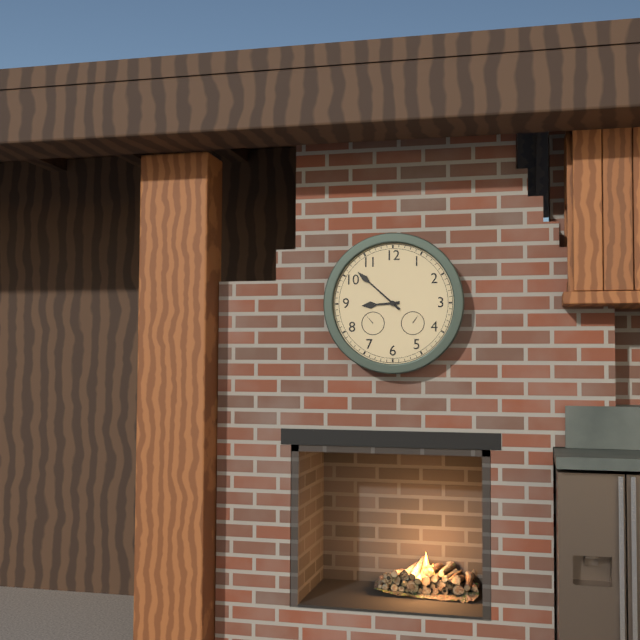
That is 8:52
